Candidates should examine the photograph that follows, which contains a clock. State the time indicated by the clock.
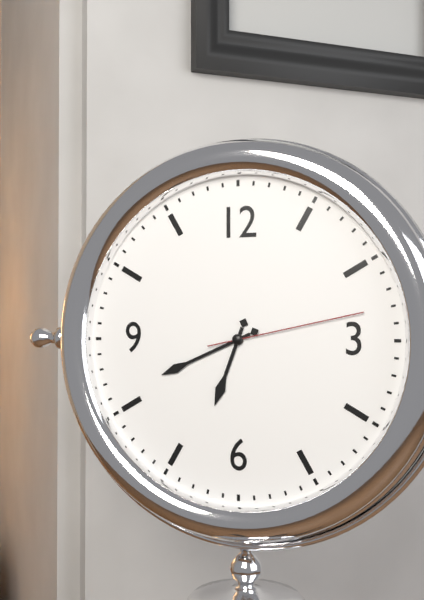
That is 6:41:13
